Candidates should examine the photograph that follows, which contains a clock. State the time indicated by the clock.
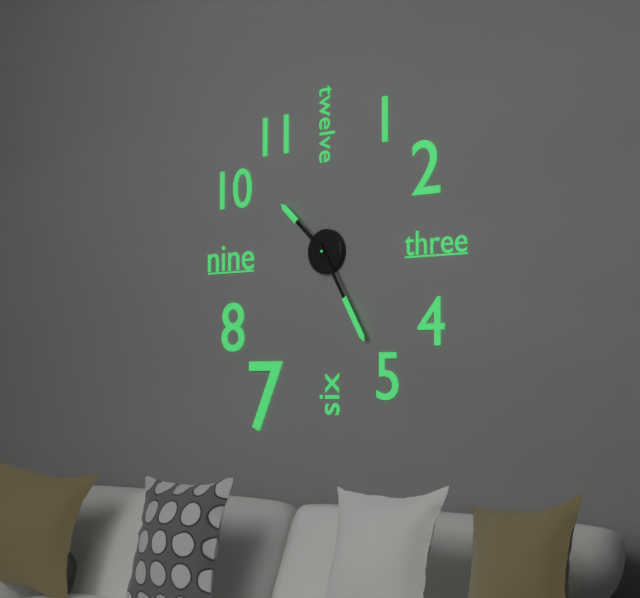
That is 10:25
